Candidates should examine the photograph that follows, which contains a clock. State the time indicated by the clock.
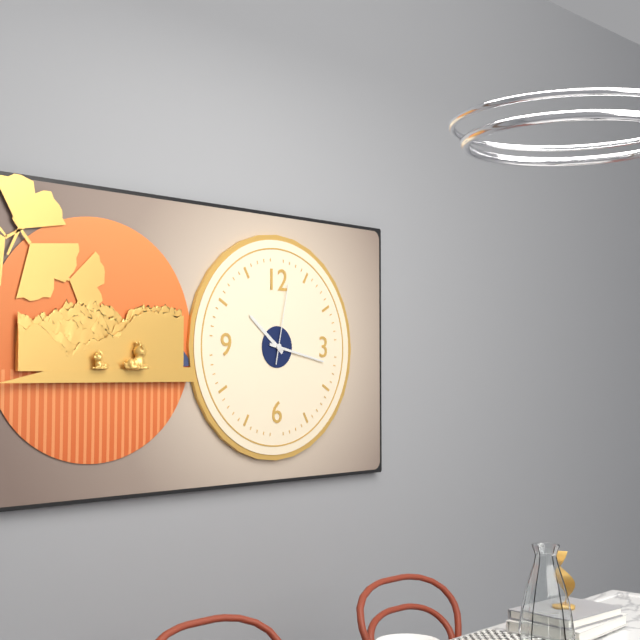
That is 10:17:02
